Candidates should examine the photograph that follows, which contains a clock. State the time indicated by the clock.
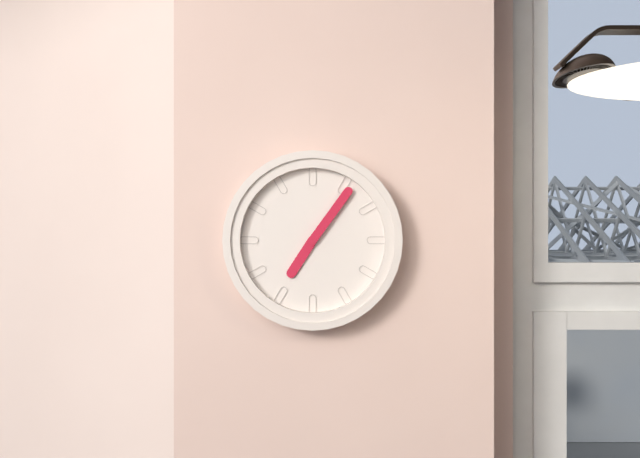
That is 7:06
